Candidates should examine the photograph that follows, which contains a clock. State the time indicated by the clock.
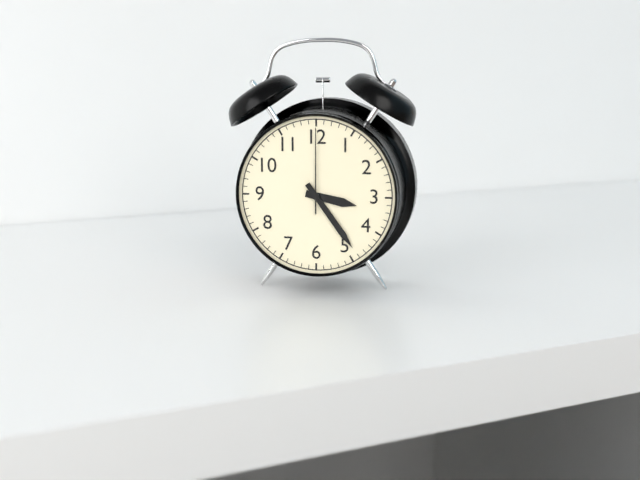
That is 3:24:00
